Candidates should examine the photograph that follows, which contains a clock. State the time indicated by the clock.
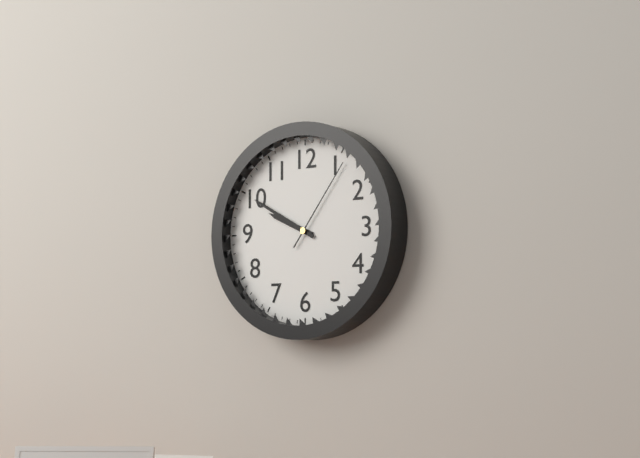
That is 9:50:06
